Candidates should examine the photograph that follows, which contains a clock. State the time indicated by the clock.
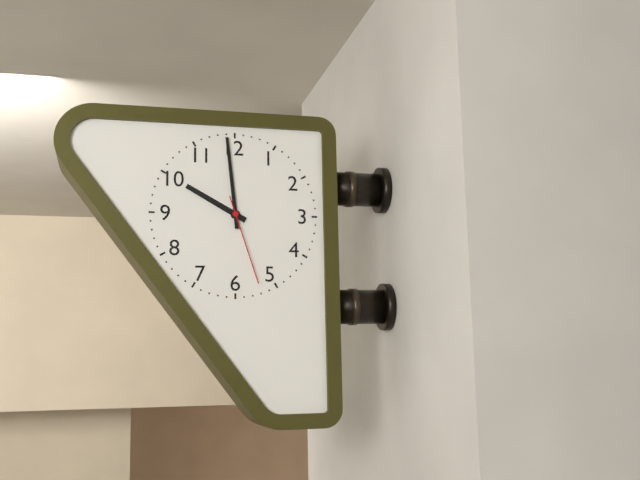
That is 9:59:27
